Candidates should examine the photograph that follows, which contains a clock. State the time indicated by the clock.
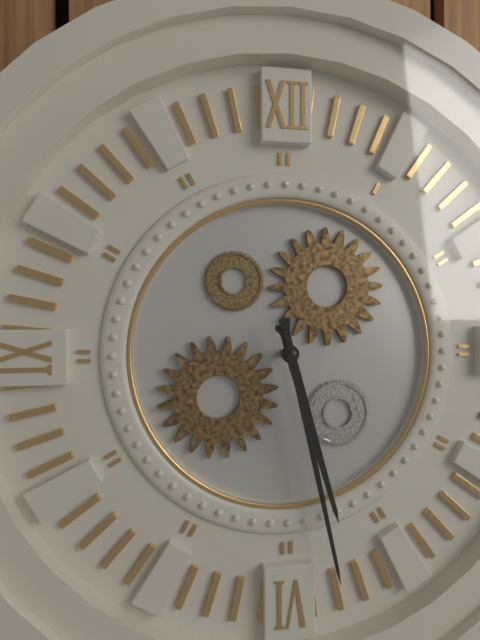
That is 5:28
